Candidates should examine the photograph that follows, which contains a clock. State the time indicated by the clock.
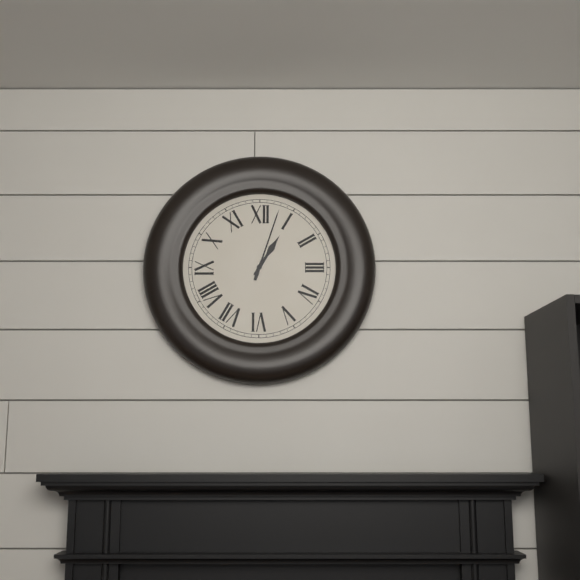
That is 1:03
